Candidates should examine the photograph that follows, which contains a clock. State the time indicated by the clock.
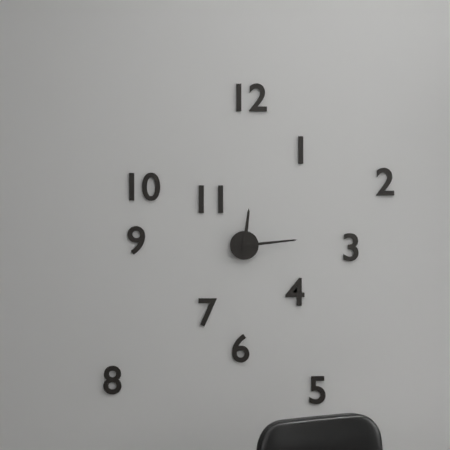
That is 12:14
